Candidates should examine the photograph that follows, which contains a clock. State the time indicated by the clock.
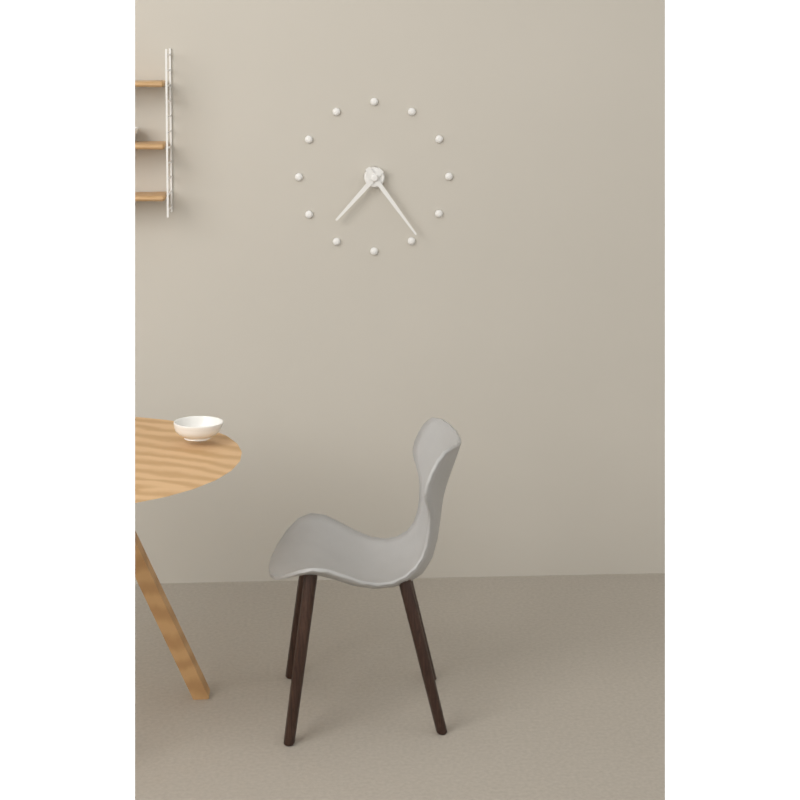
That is 7:24
